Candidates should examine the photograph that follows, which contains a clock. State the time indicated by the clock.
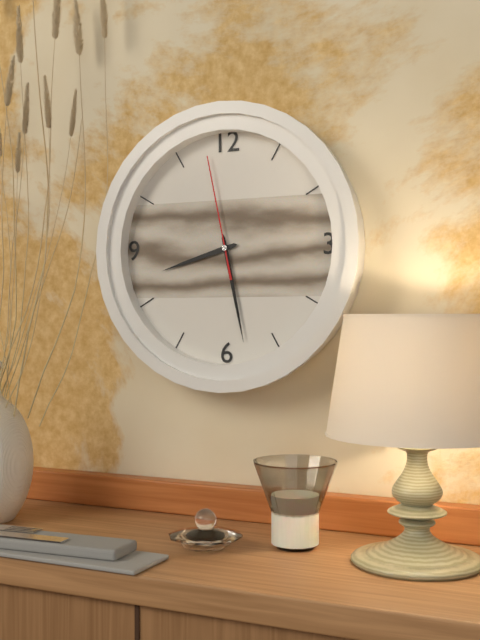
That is 8:28:58
